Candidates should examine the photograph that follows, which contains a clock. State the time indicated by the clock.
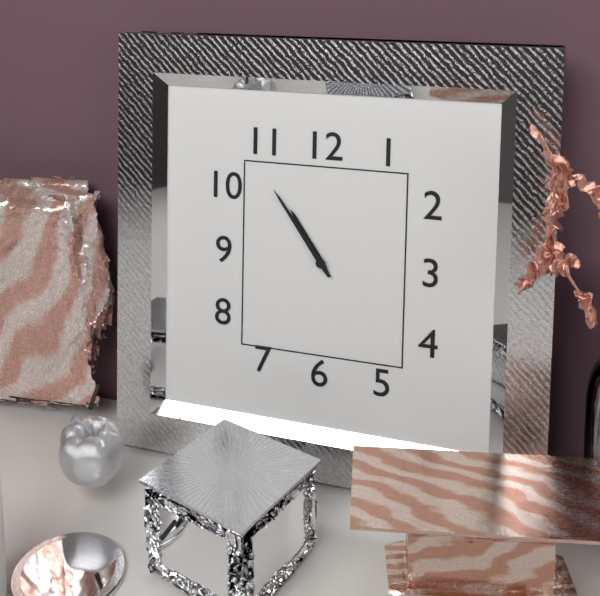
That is 10:54
